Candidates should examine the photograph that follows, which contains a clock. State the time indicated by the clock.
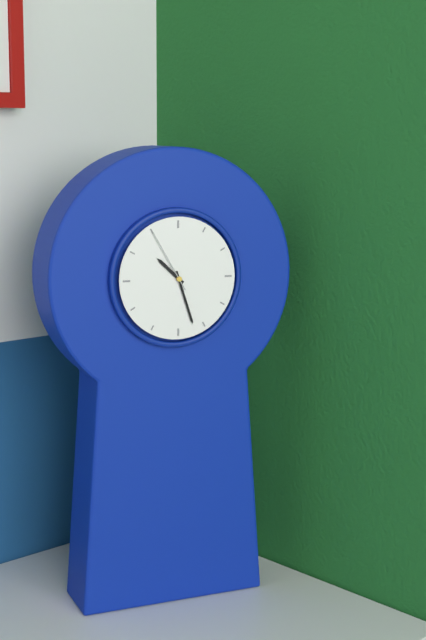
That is 10:27:55
